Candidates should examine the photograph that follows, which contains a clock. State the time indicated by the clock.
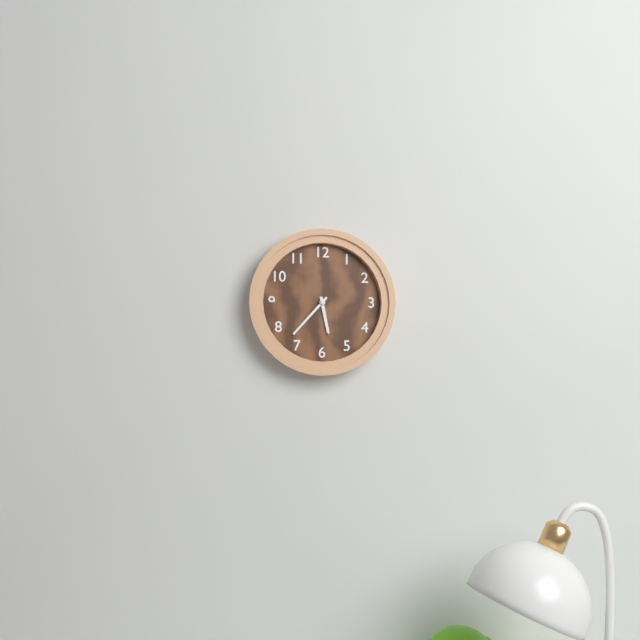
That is 5:37
